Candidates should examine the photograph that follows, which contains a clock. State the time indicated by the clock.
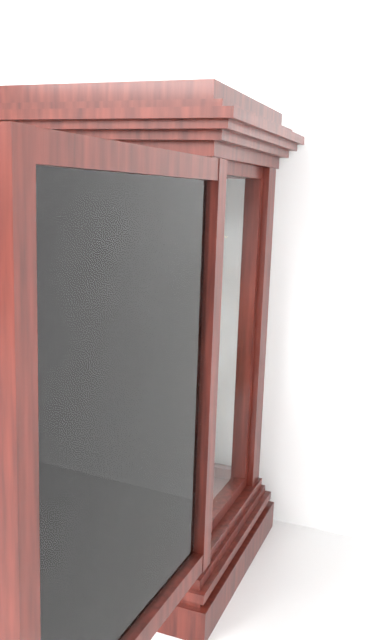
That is 2:58
